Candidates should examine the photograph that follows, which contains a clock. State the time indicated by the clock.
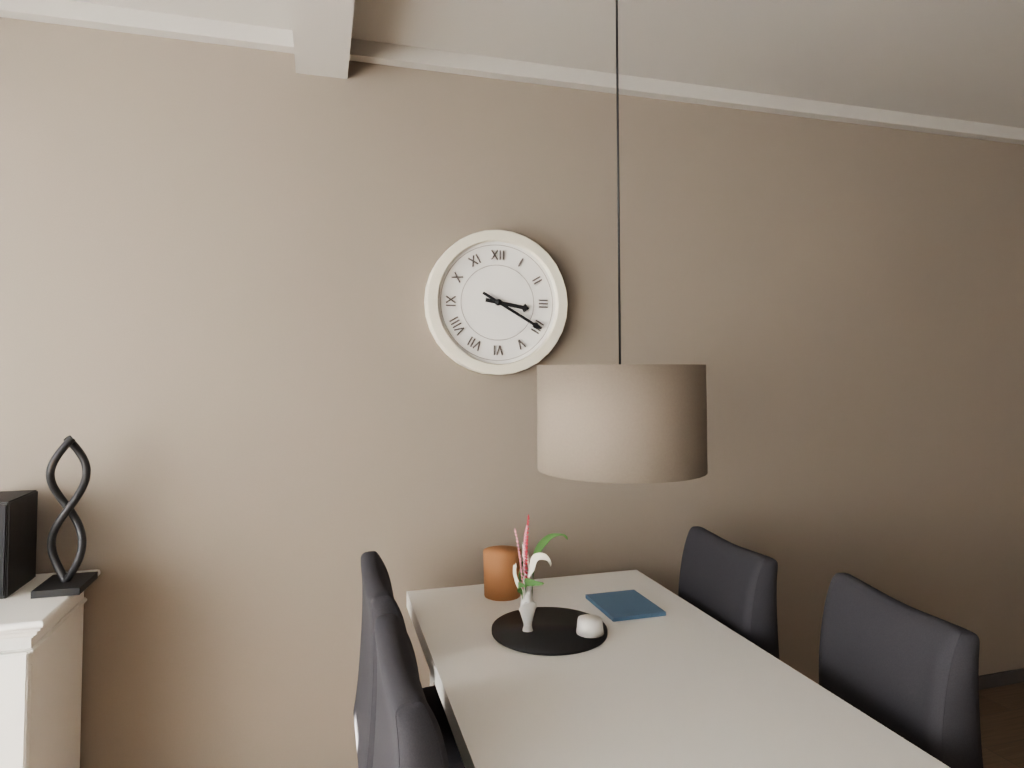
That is 3:20
